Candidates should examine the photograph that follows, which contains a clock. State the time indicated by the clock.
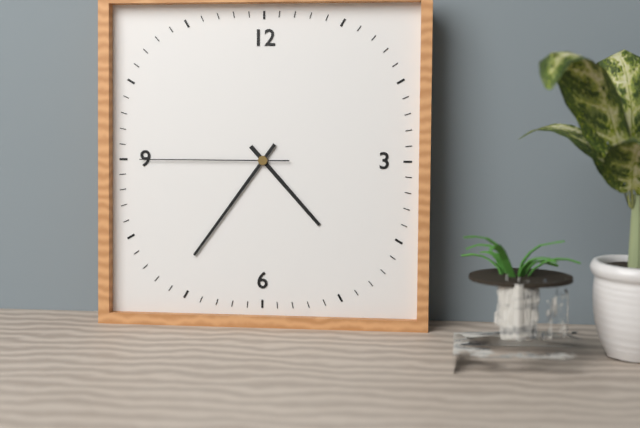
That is 4:36:45
